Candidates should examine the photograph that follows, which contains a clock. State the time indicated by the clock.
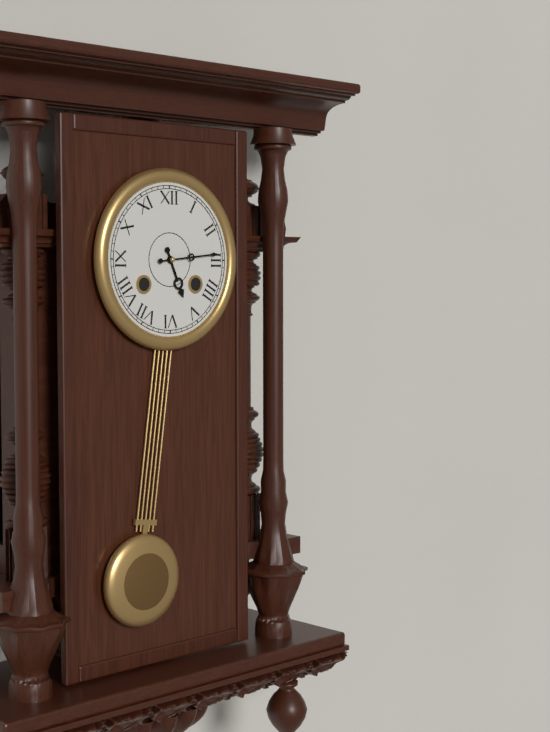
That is 5:14
